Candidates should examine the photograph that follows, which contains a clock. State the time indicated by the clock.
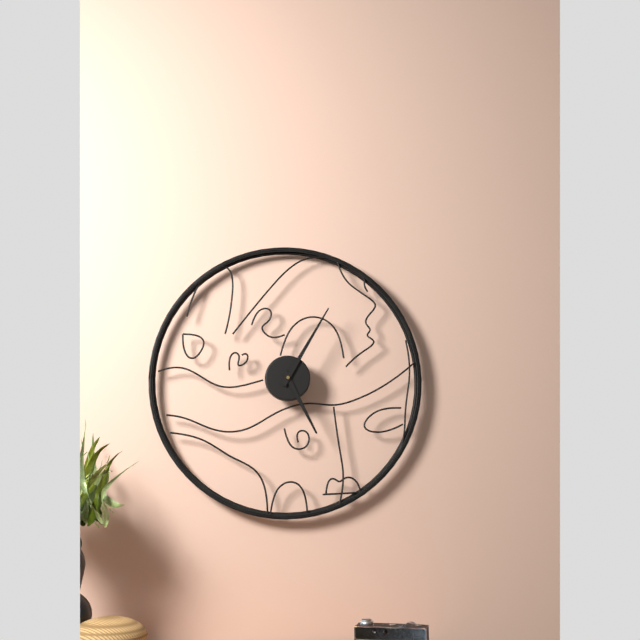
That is 5:05
